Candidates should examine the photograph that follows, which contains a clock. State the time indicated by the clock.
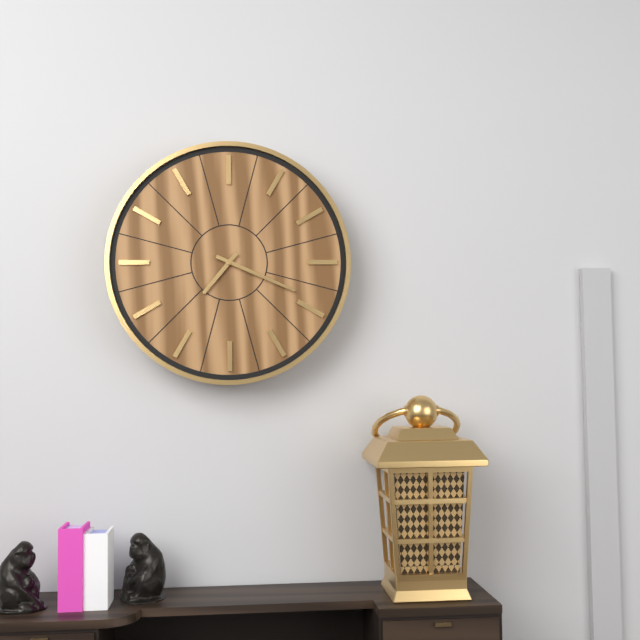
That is 7:19
